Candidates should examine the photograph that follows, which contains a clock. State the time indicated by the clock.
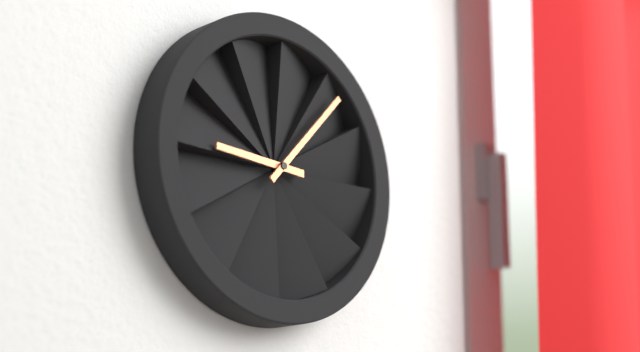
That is 9:07
